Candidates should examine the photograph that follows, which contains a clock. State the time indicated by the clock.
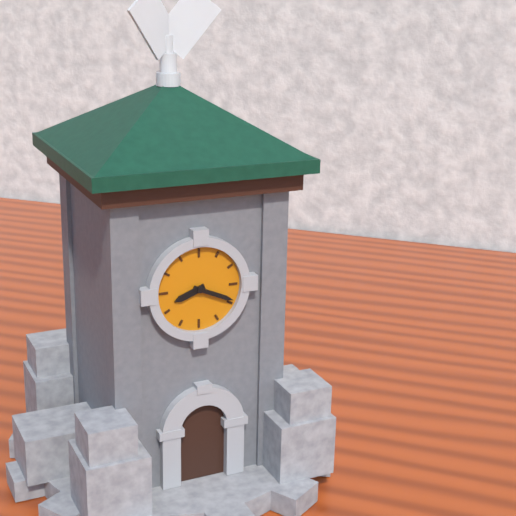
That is 8:19
